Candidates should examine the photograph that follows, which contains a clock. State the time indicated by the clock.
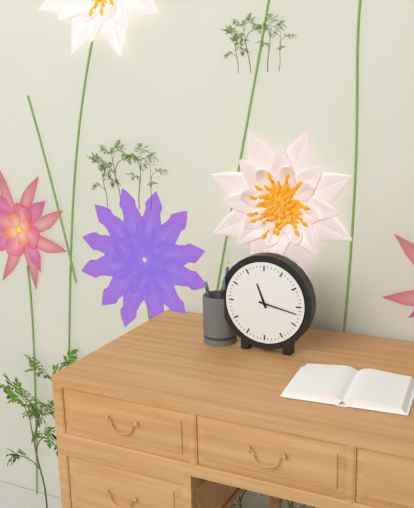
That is 11:17
